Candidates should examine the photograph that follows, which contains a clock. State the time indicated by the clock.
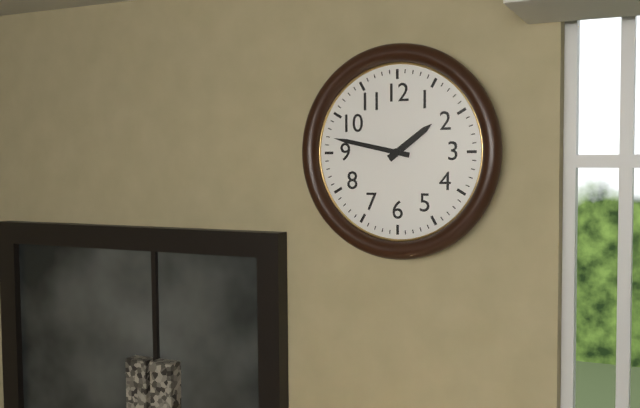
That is 1:47
